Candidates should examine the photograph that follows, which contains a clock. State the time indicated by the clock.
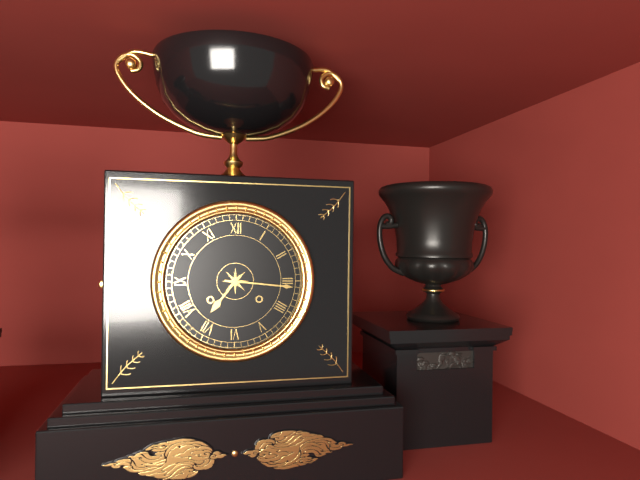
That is 7:16
